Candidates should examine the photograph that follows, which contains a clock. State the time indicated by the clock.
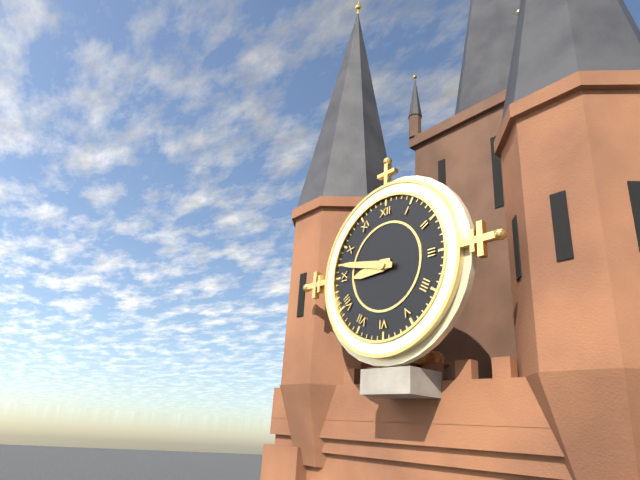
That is 8:47
